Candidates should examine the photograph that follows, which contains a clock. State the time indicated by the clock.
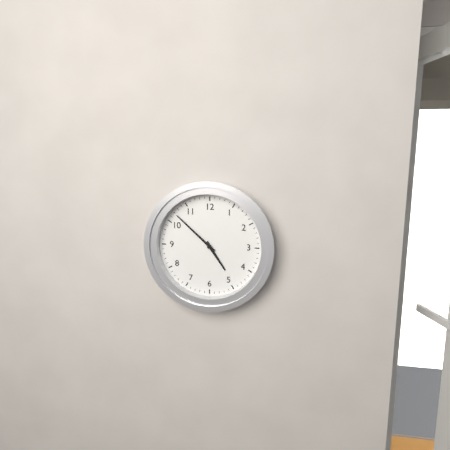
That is 4:52
